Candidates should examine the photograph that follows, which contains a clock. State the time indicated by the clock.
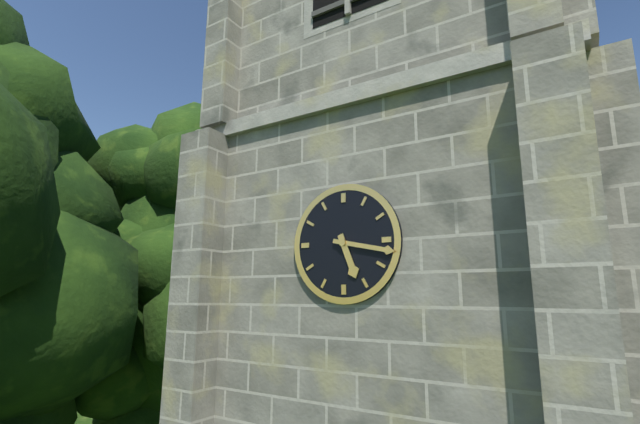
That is 5:17
